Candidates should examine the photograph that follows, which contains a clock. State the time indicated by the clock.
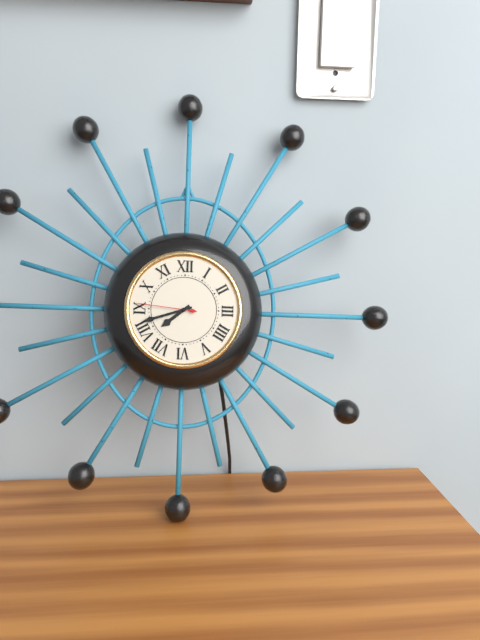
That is 7:42:46
